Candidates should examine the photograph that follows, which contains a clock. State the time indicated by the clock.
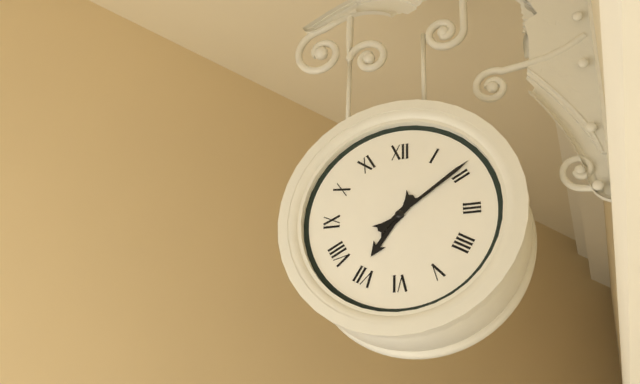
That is 7:09
